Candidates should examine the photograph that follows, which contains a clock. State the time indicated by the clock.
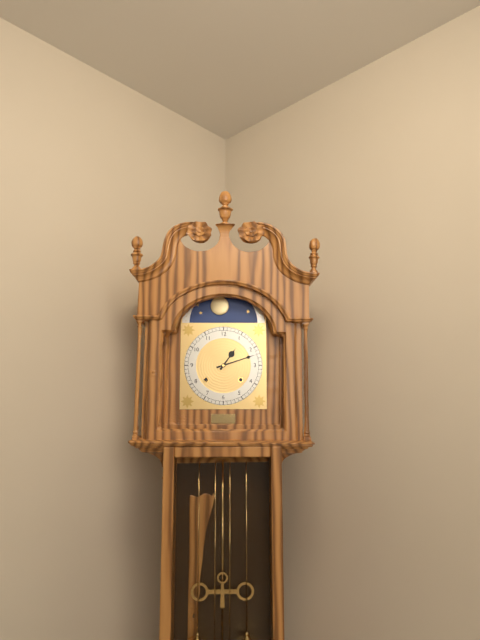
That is 1:12
